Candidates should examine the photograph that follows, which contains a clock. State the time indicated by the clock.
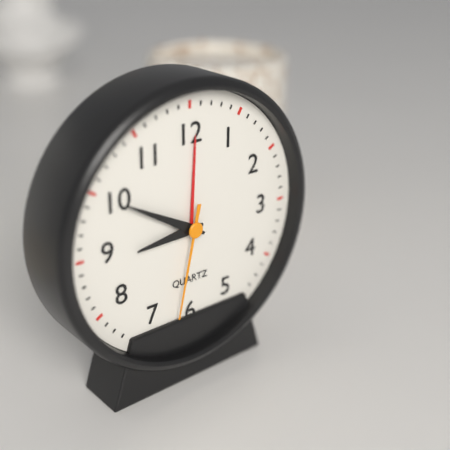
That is 8:50:32
